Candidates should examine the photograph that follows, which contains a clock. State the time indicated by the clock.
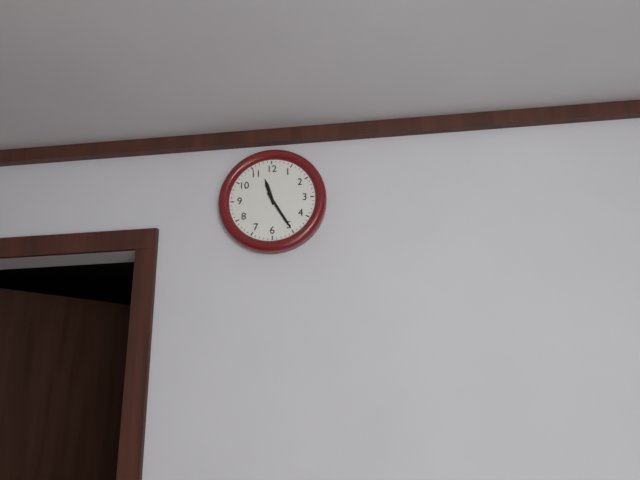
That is 11:25
